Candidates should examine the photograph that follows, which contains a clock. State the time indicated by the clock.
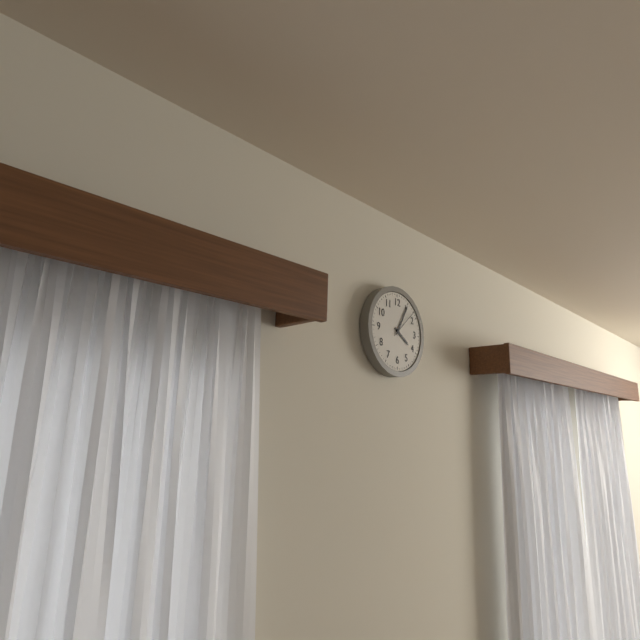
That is 4:05
